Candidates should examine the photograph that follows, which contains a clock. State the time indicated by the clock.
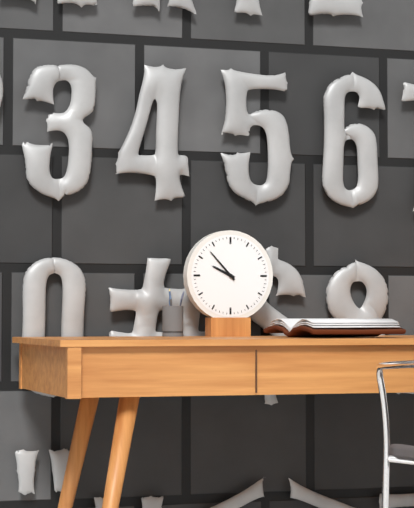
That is 9:53
